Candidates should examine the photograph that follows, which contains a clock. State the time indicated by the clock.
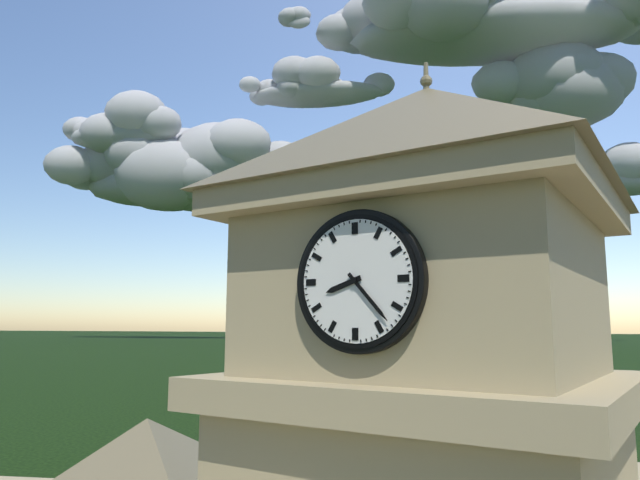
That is 8:23
